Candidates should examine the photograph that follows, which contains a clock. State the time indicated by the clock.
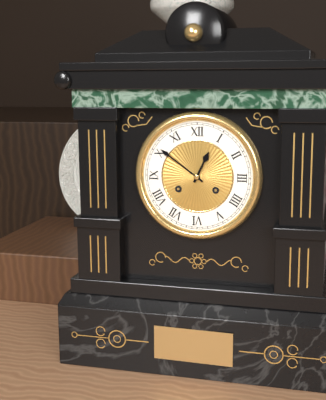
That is 12:51
